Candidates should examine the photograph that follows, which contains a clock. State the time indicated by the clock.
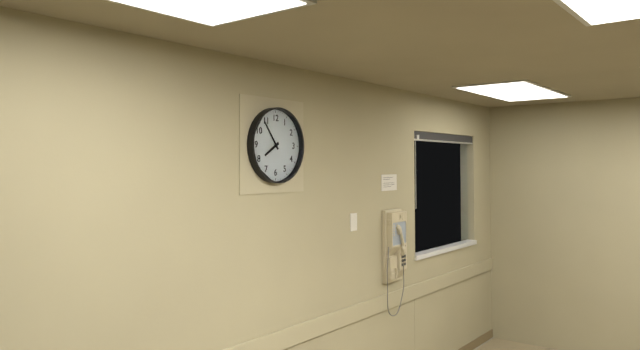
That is 7:54
